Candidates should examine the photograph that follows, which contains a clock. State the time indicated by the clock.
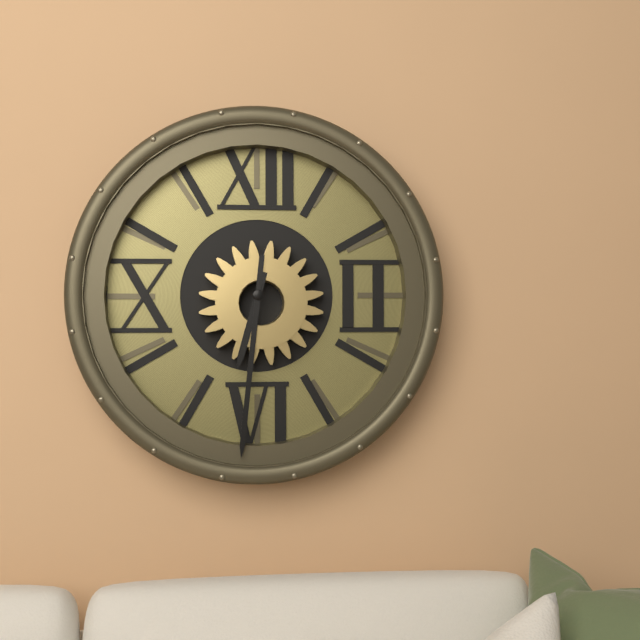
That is 6:31
